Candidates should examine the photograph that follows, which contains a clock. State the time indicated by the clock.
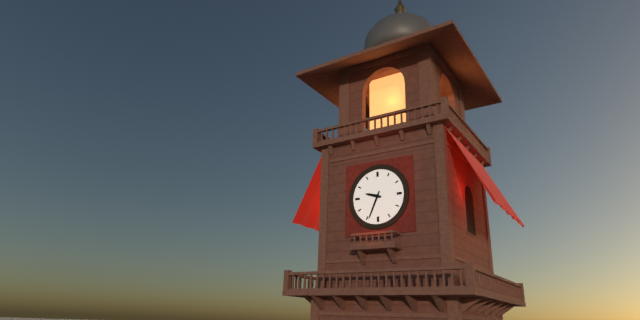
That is 9:34
